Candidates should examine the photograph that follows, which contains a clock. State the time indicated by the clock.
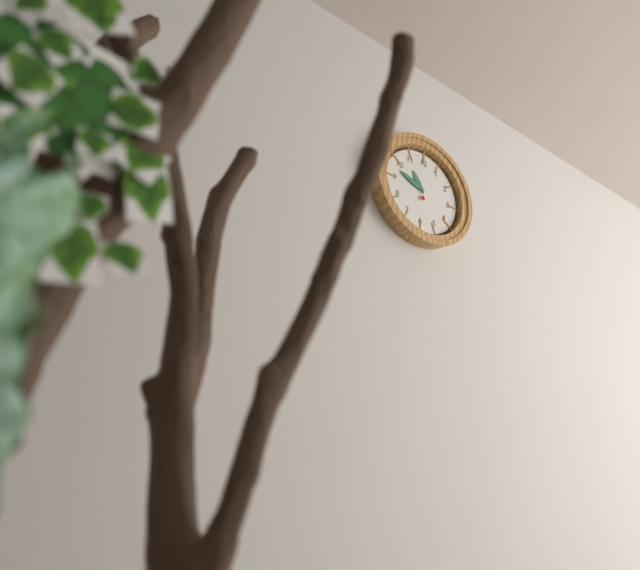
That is 10:48
